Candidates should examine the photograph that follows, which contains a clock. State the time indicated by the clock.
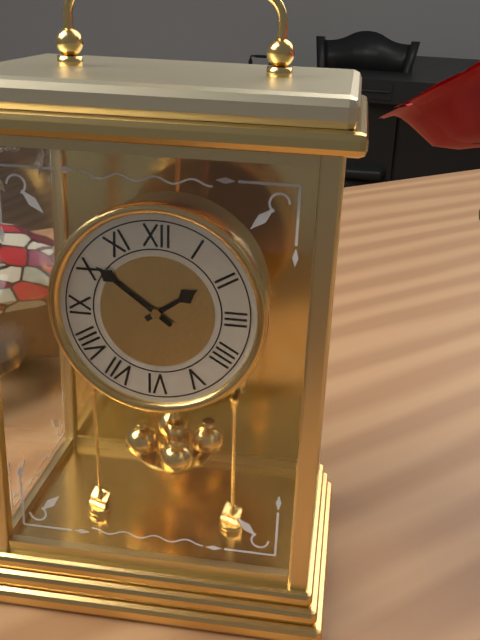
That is 1:51
